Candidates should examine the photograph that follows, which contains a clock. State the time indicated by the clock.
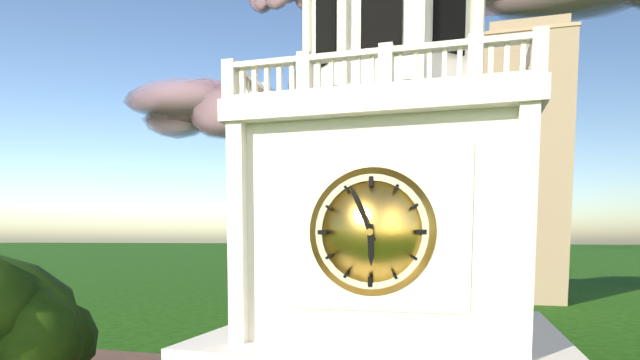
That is 5:56
